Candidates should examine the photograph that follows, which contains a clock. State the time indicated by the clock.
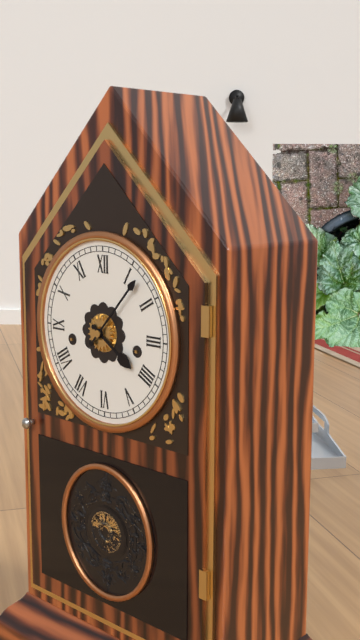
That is 4:07
